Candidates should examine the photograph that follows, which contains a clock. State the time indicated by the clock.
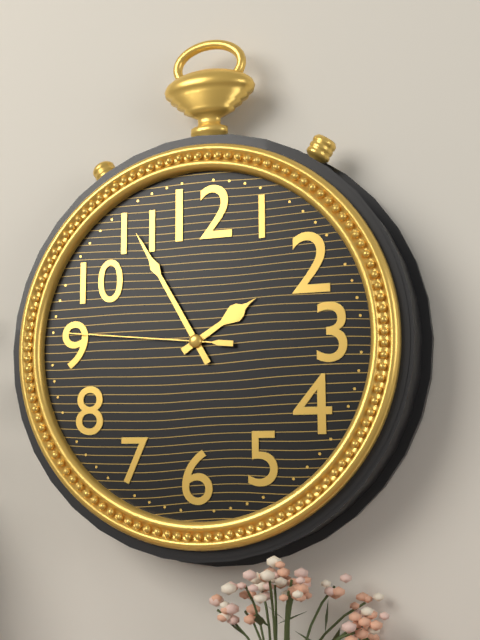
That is 1:55:46
